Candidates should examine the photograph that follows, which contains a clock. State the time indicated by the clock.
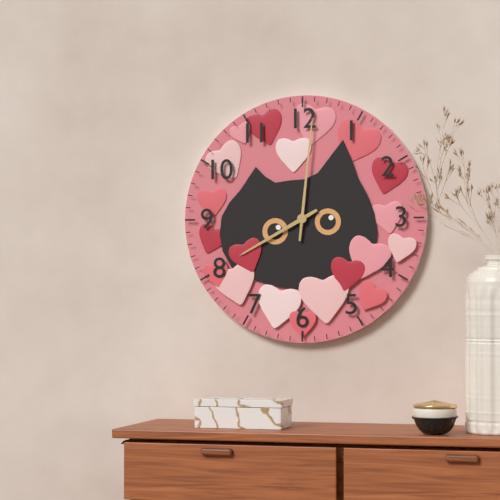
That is 8:01
